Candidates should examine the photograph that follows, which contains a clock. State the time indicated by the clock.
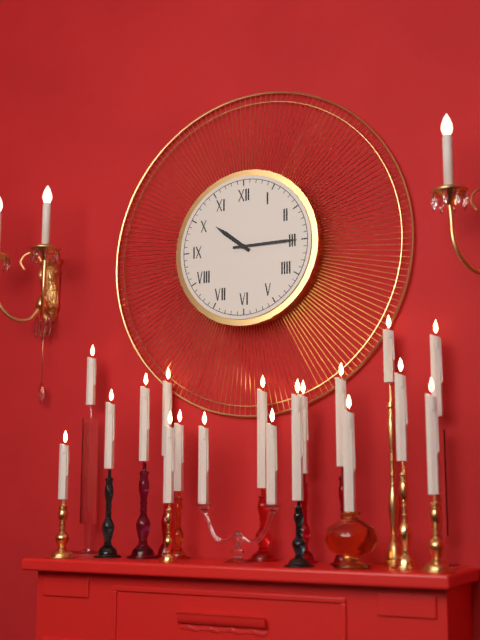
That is 10:15
